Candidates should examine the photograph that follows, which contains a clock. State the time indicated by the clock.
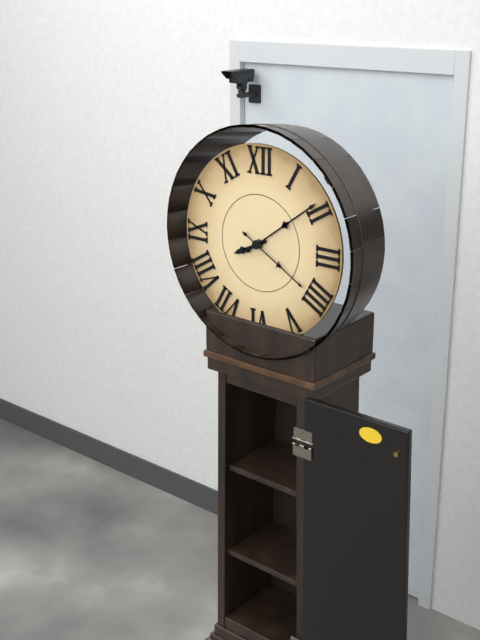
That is 8:09:20
